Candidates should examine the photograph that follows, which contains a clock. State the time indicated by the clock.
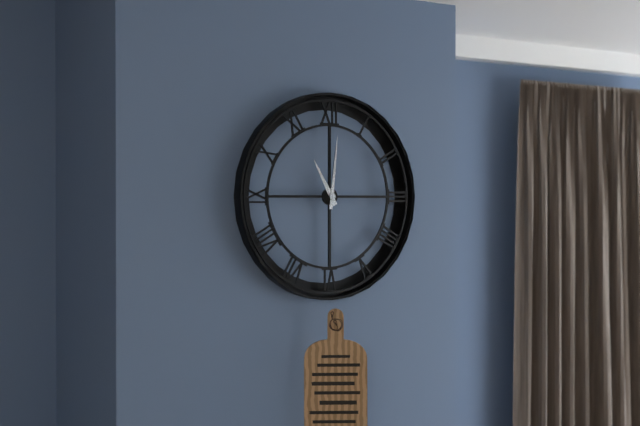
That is 11:01
